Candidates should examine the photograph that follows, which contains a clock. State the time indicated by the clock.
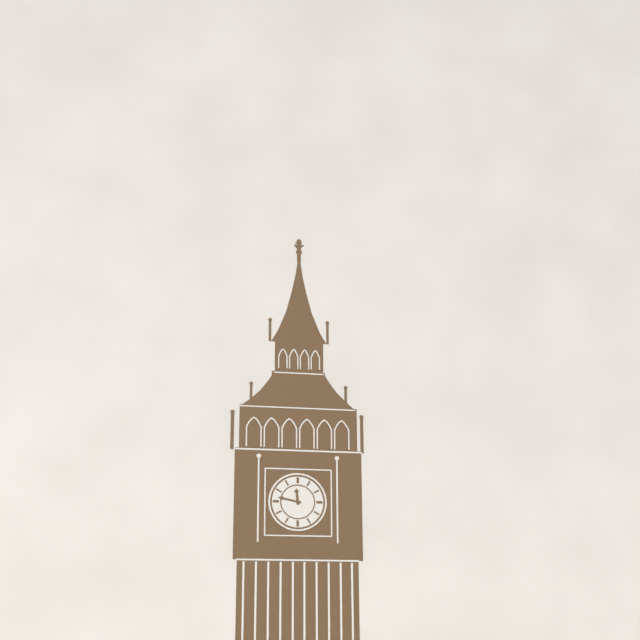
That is 11:47
